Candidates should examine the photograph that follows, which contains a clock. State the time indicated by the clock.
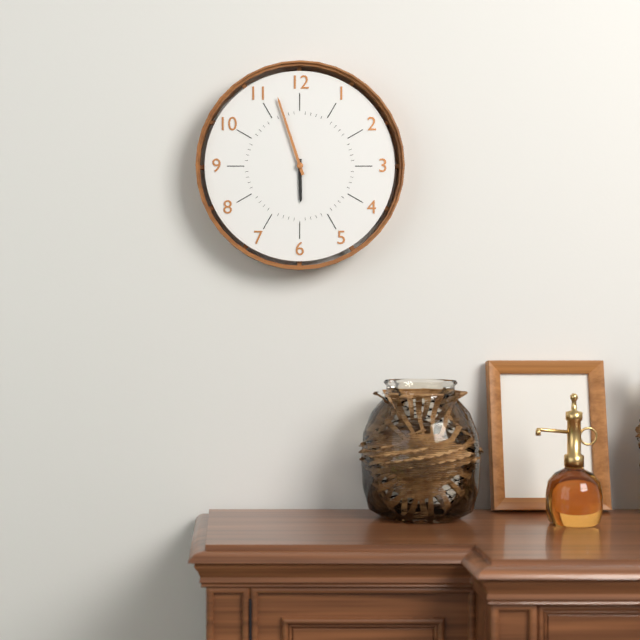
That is 5:57
